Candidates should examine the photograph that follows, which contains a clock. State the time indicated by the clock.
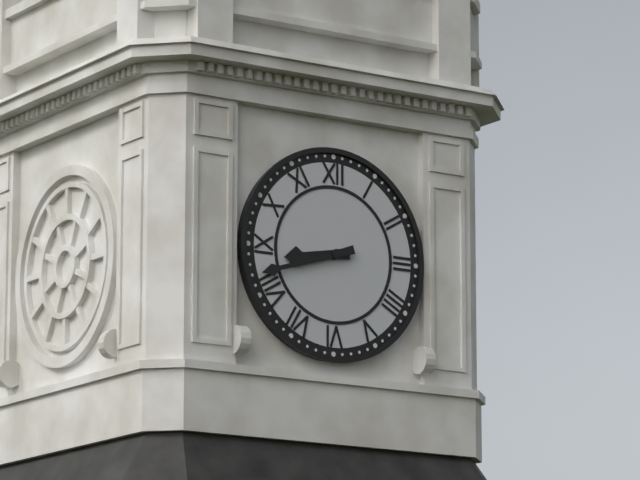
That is 8:42
